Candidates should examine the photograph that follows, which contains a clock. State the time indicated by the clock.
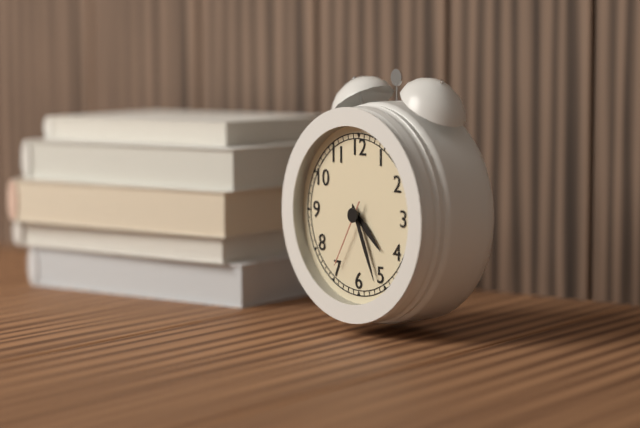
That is 4:26:35
